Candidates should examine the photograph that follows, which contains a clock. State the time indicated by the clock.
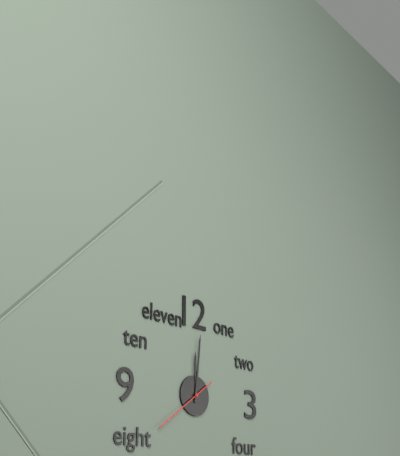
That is 12:01:39
